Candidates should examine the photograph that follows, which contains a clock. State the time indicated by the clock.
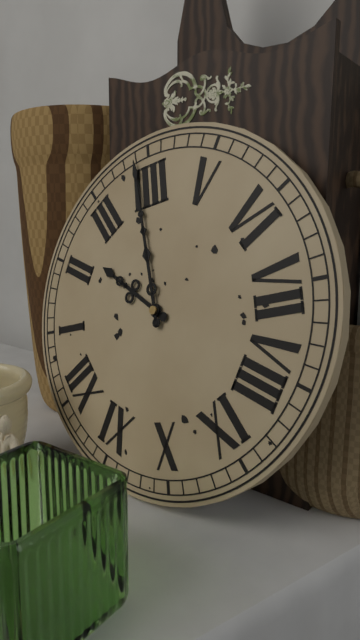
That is 2:19
